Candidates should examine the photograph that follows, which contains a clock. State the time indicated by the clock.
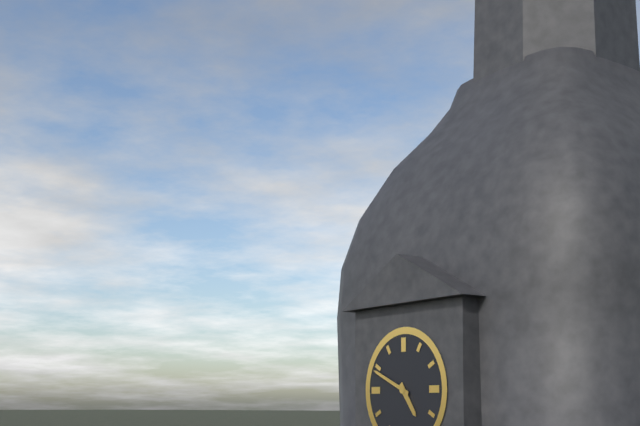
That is 4:49
